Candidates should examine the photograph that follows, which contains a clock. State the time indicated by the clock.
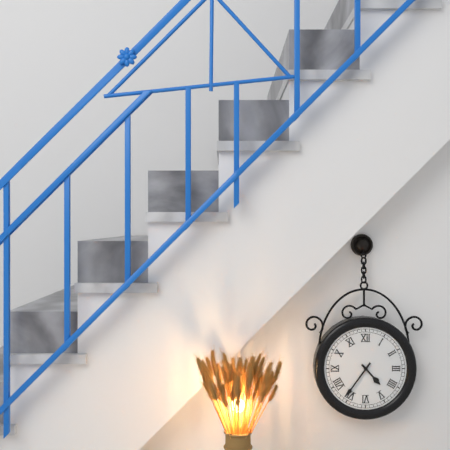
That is 4:36
